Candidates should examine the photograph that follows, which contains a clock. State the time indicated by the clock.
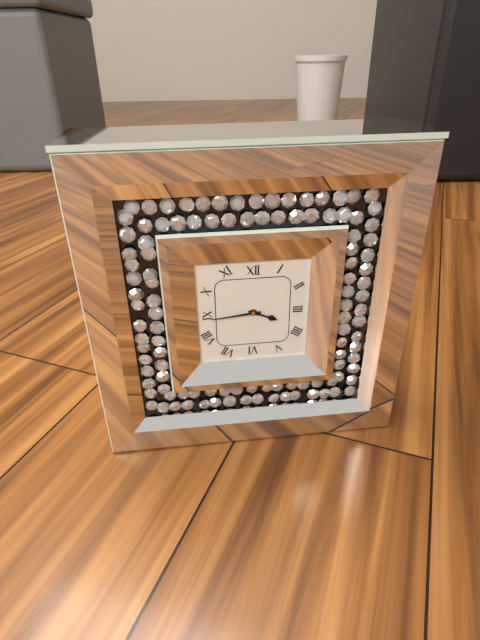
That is 3:44
